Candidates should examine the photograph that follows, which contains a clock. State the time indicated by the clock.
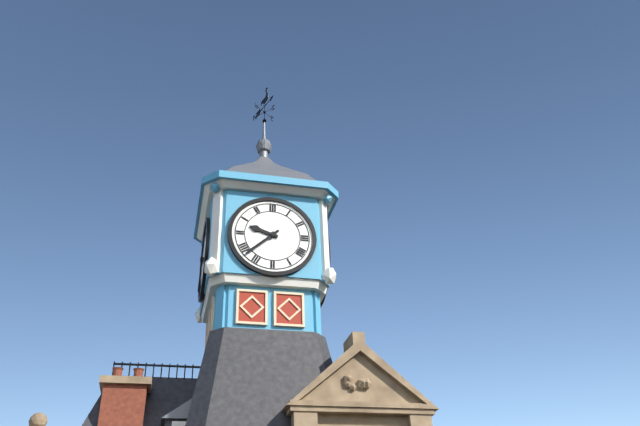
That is 9:38
